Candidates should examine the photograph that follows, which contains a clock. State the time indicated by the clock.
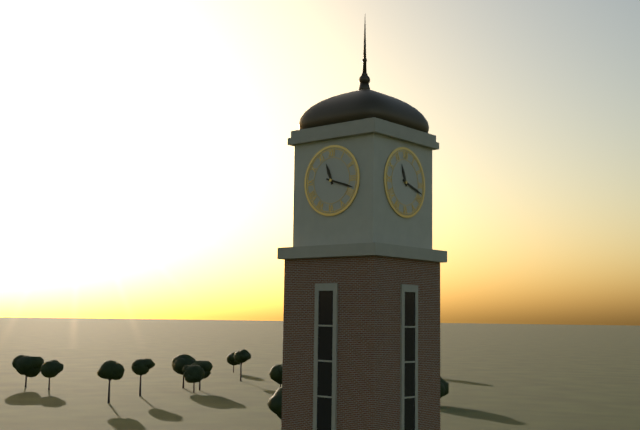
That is 11:18
